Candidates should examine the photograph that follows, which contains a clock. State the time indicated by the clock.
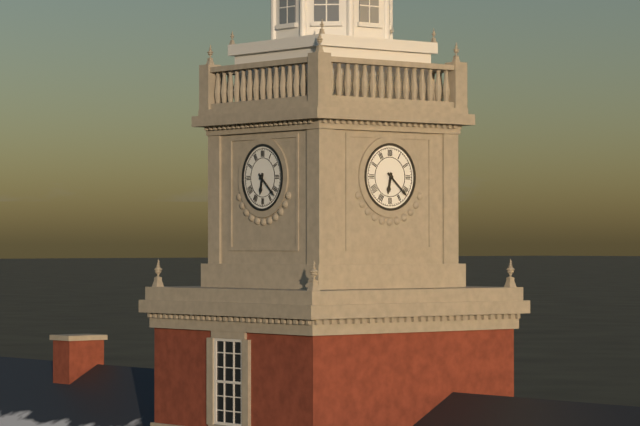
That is 6:22
